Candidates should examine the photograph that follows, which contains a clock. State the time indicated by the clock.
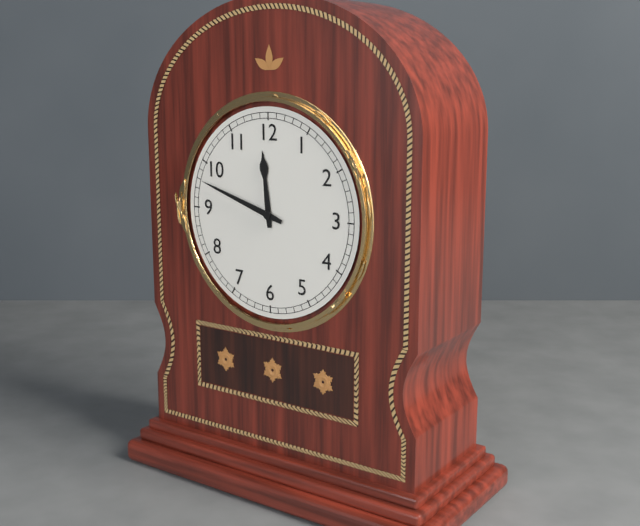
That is 11:48
